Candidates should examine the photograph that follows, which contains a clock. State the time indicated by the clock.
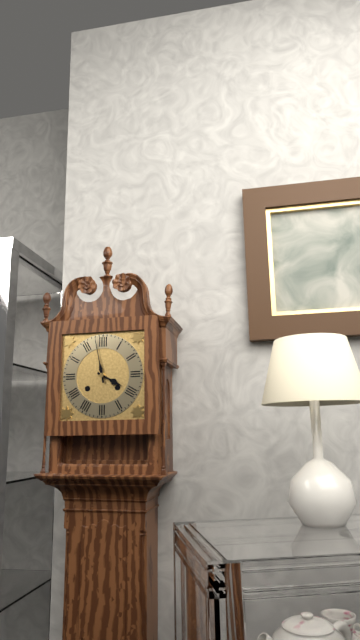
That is 3:58
